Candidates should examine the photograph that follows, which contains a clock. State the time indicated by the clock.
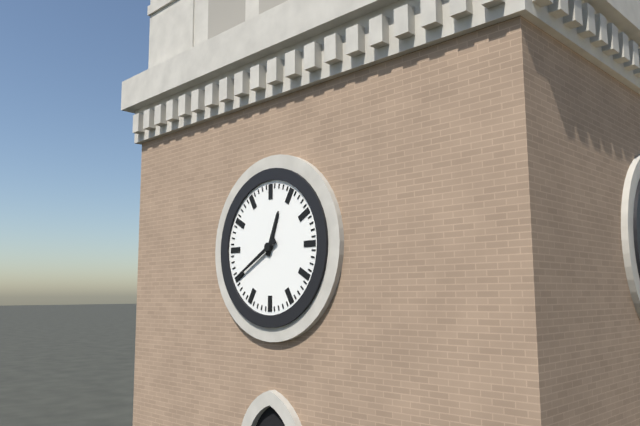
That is 12:40
